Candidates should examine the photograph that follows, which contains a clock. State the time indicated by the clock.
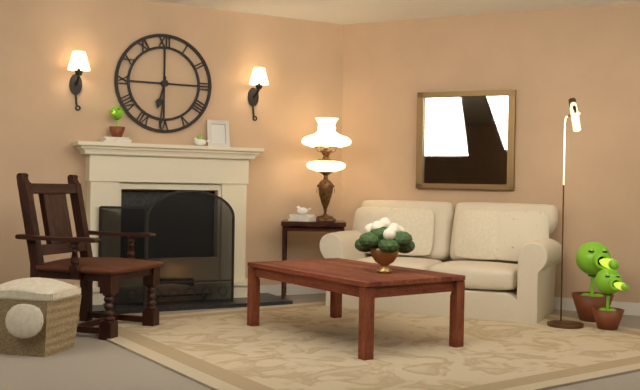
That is 6:31
